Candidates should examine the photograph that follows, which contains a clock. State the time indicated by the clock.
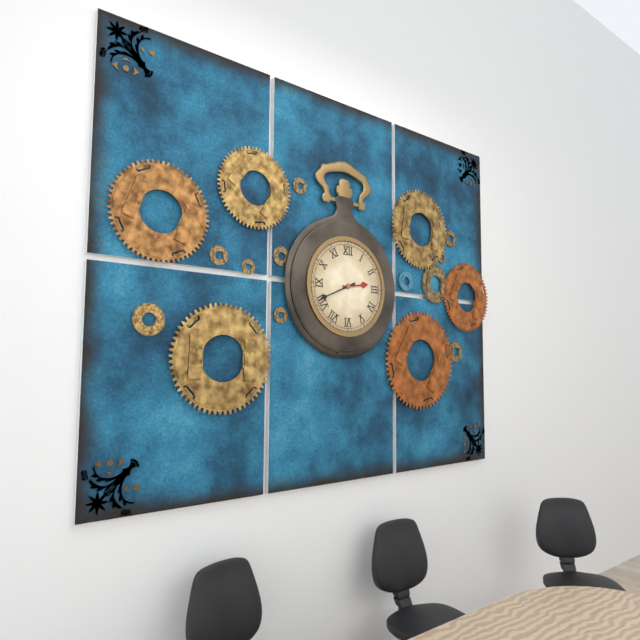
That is 2:41
